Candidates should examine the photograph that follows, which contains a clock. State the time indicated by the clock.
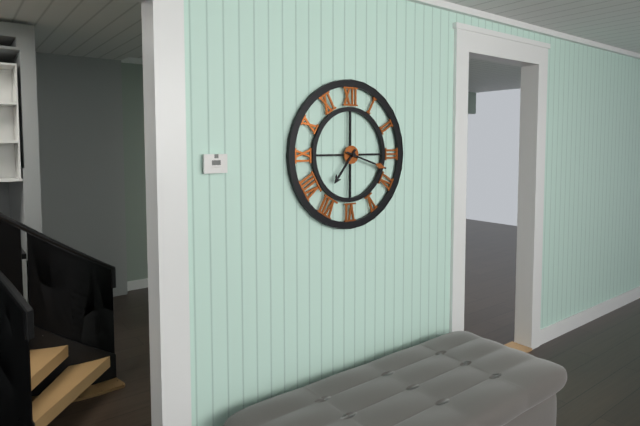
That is 7:18
